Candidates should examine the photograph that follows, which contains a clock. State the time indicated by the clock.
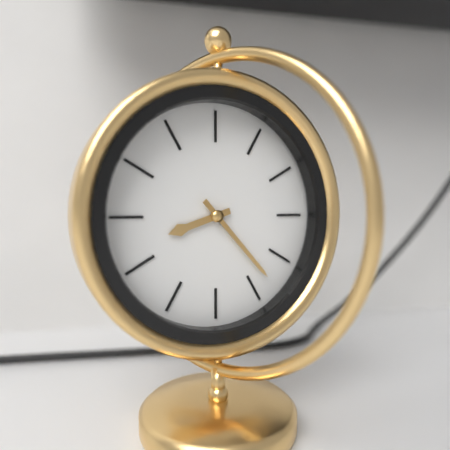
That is 8:23
